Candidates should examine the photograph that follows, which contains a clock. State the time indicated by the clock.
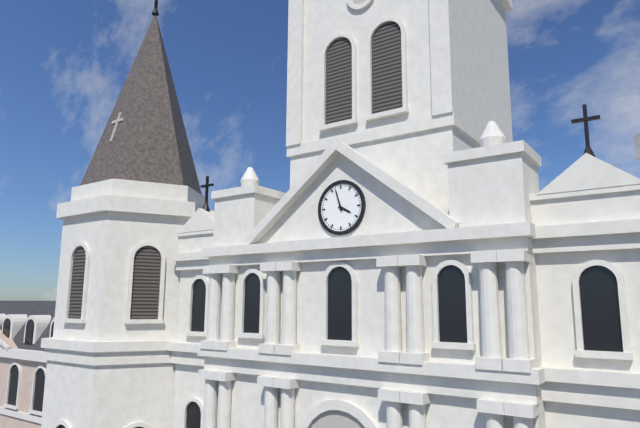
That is 3:57
